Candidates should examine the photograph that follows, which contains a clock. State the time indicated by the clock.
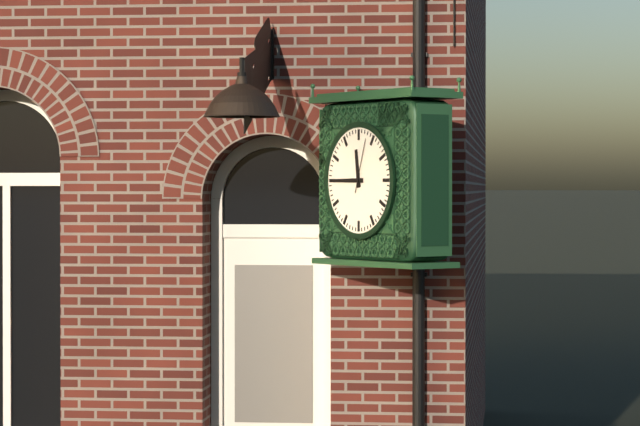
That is 11:45:03
